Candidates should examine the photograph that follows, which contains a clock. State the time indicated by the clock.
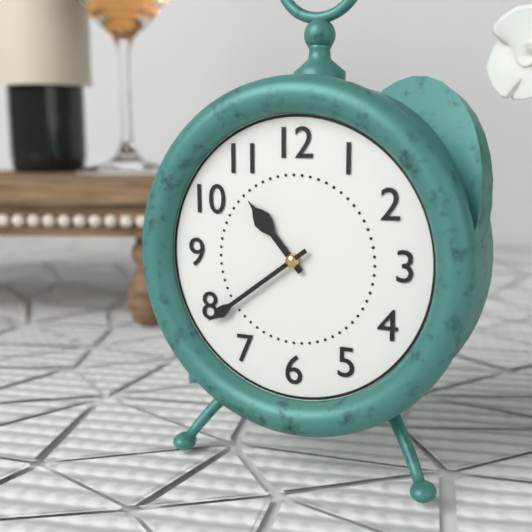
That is 10:39
